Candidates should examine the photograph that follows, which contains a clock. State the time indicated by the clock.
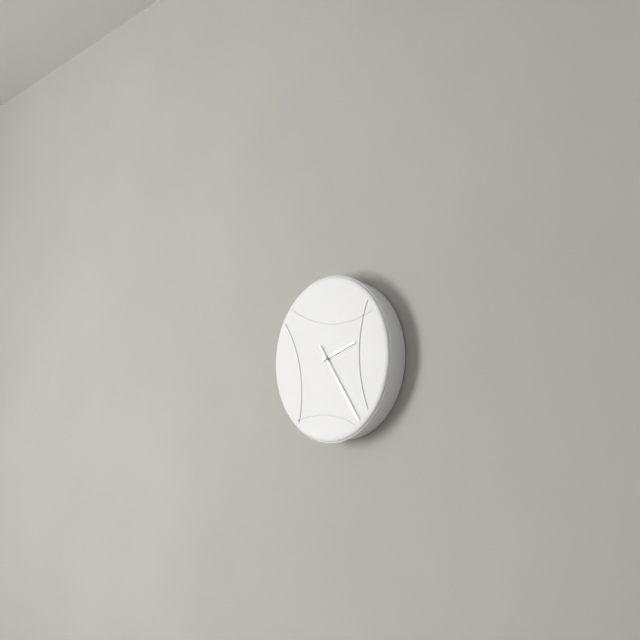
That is 2:24
